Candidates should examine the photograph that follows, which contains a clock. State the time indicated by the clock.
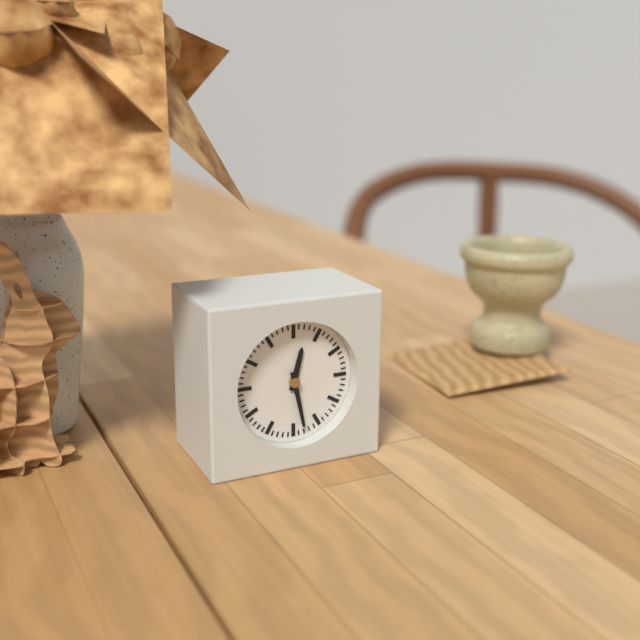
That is 12:28
